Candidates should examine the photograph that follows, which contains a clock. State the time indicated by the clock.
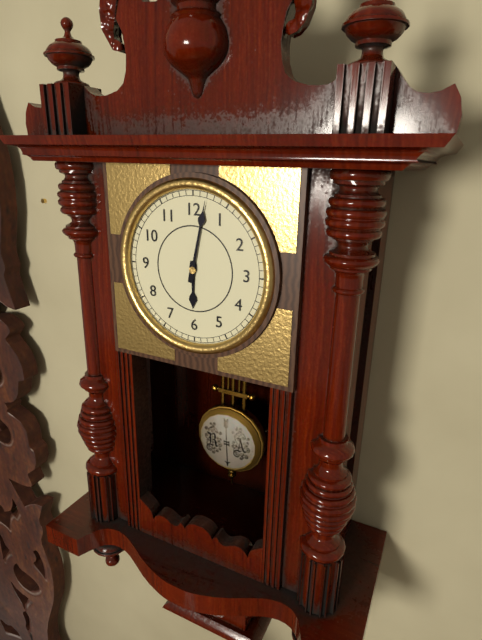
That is 6:02
